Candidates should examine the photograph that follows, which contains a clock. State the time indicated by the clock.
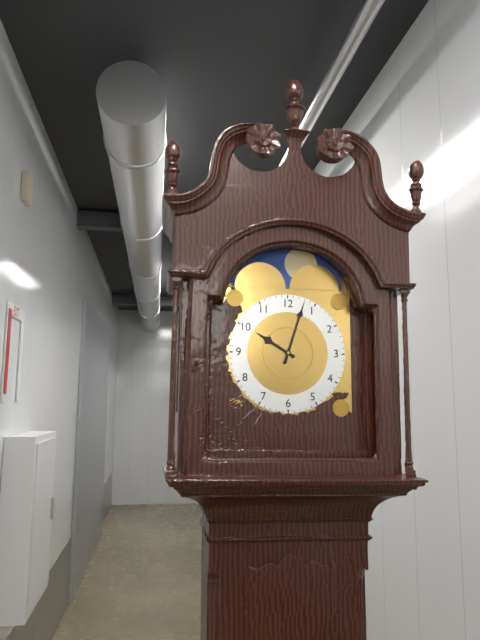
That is 10:03
